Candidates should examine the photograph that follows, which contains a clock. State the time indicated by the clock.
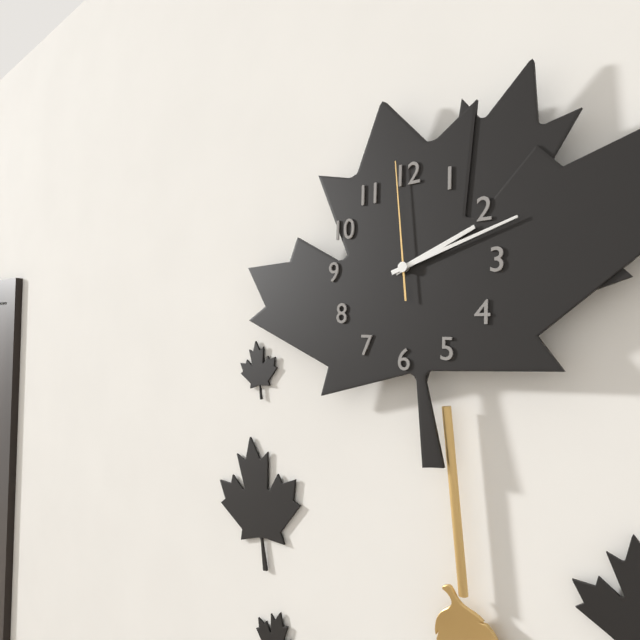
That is 2:12:59
